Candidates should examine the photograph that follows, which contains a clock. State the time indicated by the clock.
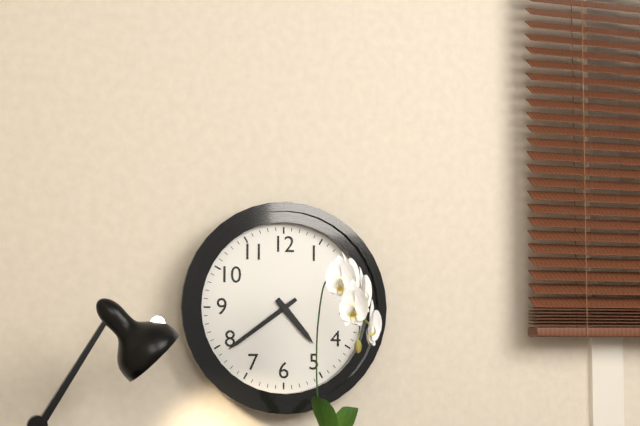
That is 4:39
